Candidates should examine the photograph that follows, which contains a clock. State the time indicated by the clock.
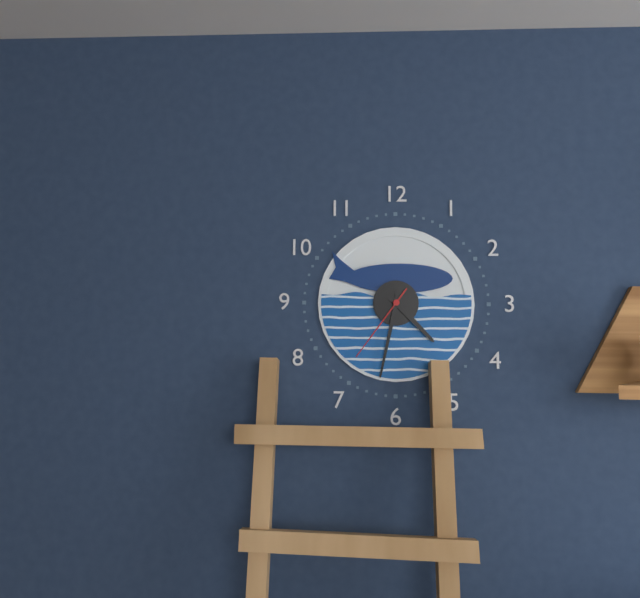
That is 4:32:36
